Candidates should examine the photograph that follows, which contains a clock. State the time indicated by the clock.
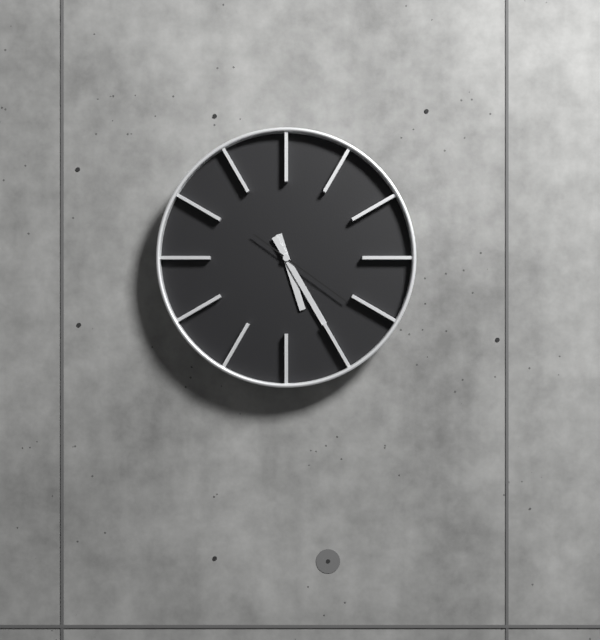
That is 5:25:21
